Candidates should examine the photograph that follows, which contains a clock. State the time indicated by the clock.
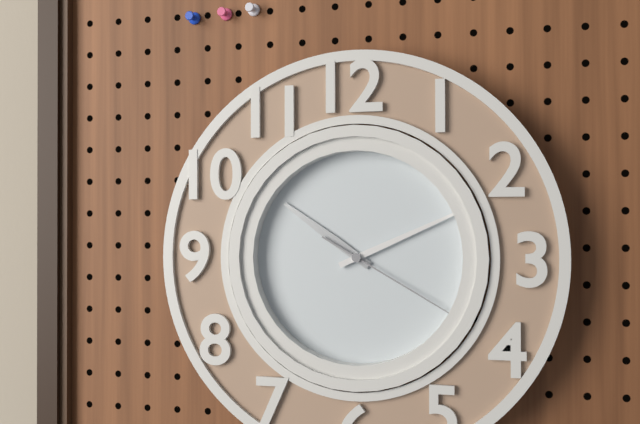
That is 10:11:20
